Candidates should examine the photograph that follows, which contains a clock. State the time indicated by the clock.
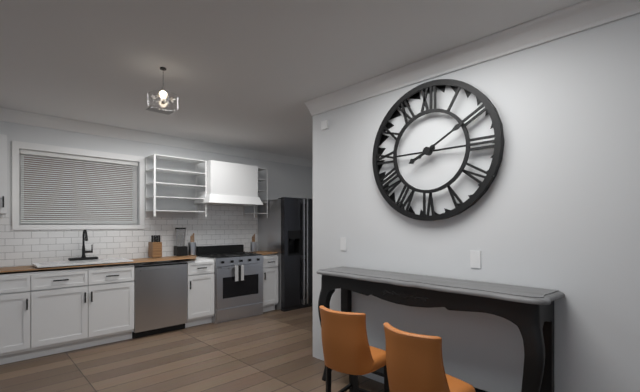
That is 8:10
